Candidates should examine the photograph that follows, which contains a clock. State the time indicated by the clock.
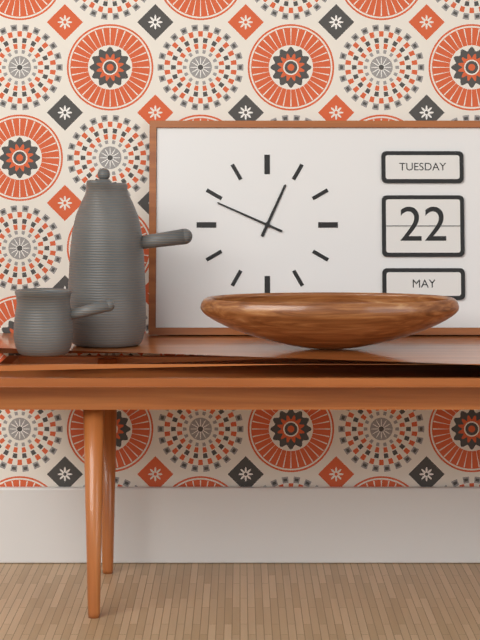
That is 12:49
